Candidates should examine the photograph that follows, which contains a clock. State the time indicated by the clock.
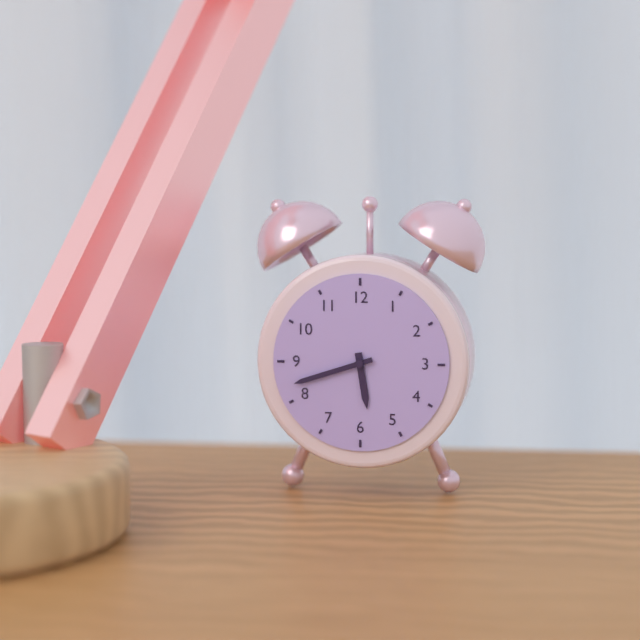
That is 5:42
